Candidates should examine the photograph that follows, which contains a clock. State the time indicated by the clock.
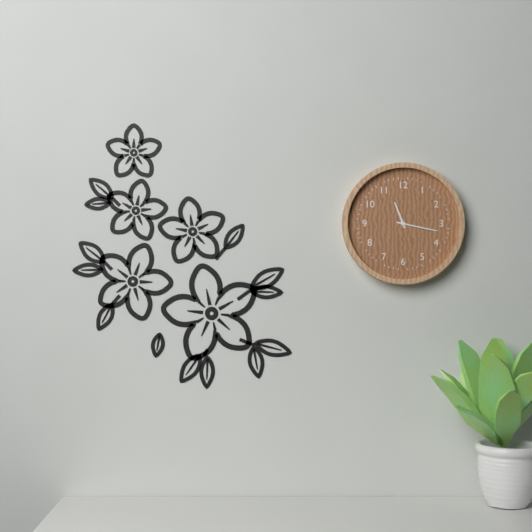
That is 11:17
